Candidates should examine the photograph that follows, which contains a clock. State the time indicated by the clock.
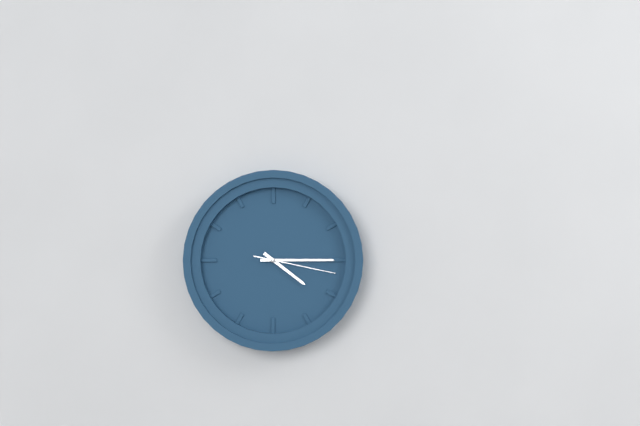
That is 4:15:17
